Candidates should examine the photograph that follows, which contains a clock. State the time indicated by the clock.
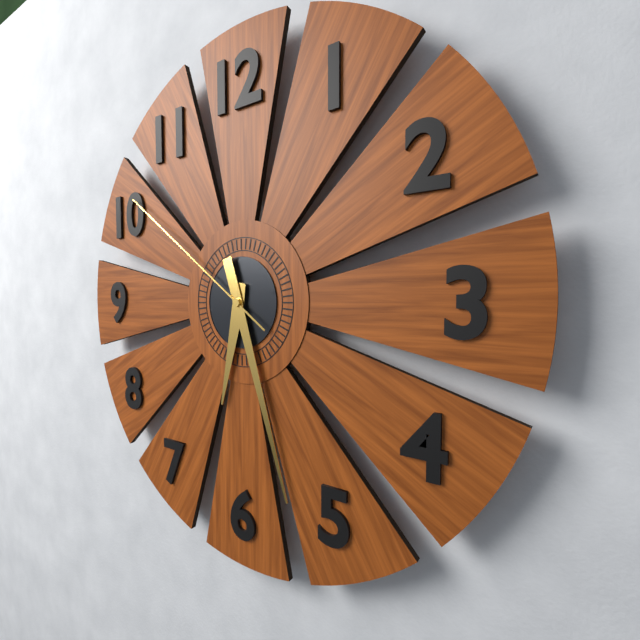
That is 6:27:51
